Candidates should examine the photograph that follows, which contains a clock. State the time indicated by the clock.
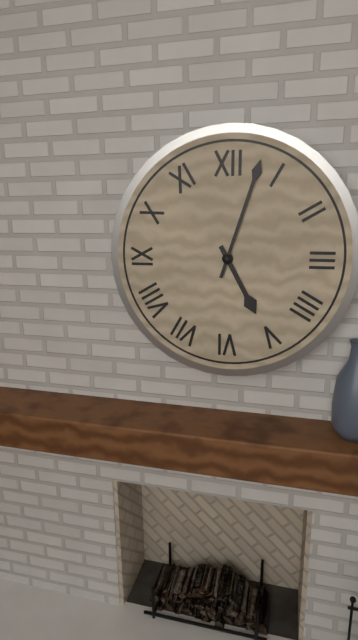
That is 5:03
